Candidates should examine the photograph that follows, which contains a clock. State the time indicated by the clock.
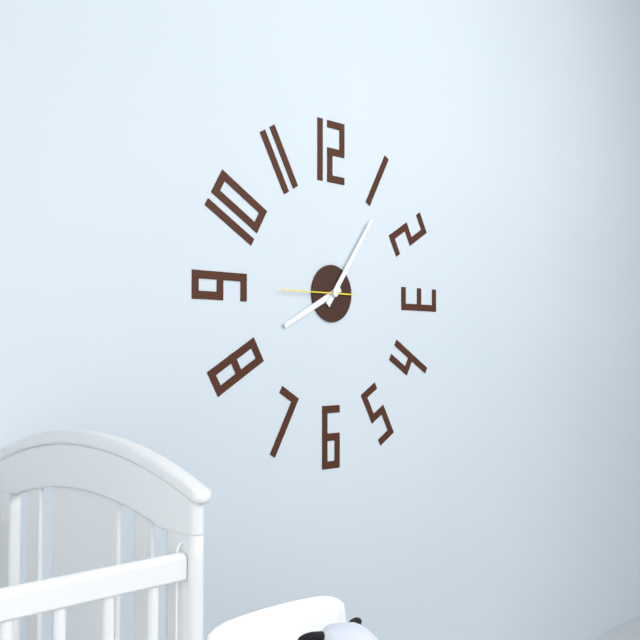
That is 8:06:45
